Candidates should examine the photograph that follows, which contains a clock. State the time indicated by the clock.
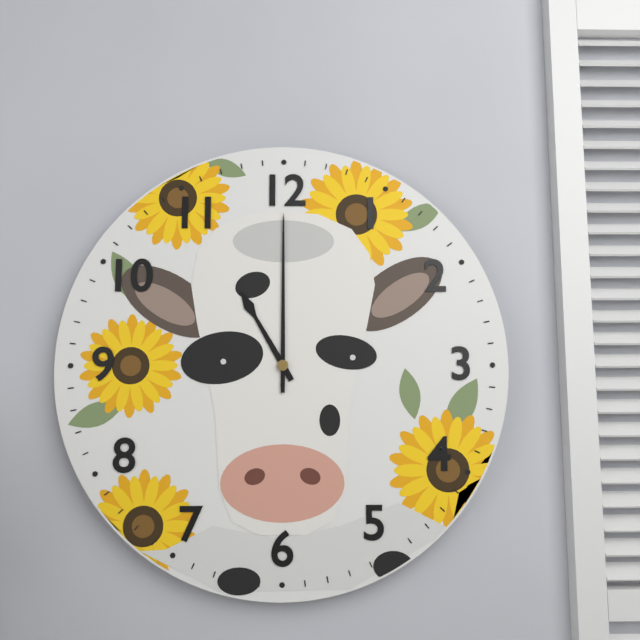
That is 11:00
